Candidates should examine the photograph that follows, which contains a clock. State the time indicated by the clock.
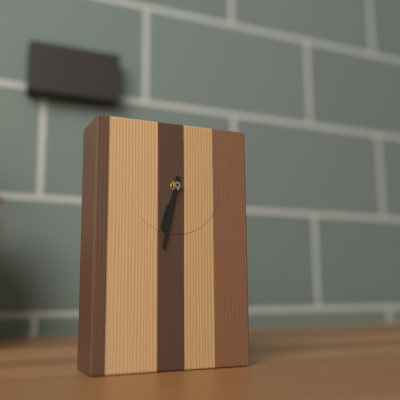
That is 6:32
